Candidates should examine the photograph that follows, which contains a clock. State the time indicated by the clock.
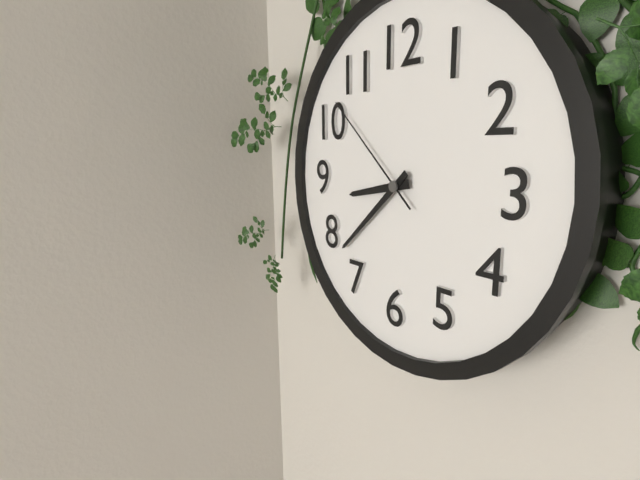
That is 8:38:52
